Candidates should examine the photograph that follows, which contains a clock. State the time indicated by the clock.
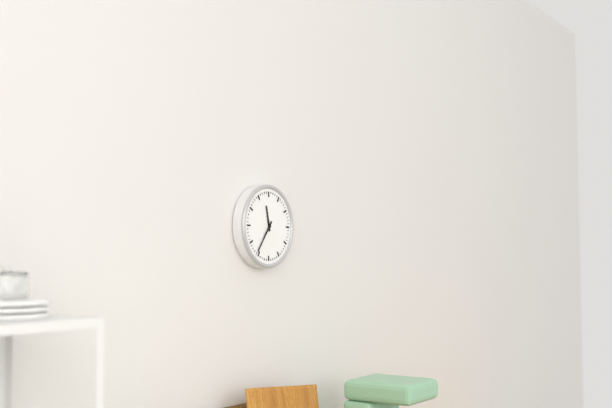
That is 11:36
